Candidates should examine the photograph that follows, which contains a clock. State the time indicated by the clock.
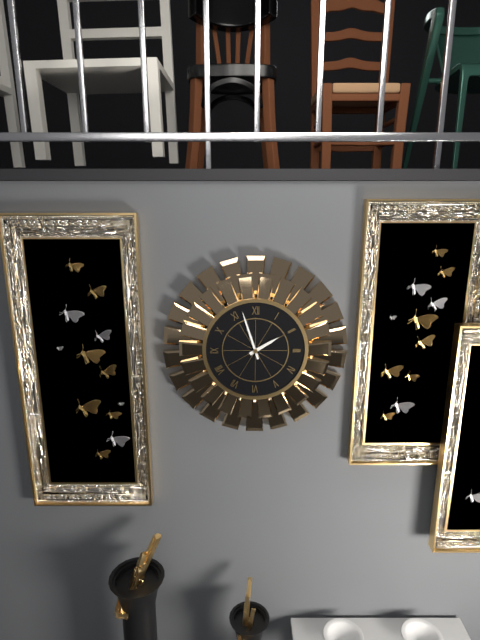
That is 1:57
